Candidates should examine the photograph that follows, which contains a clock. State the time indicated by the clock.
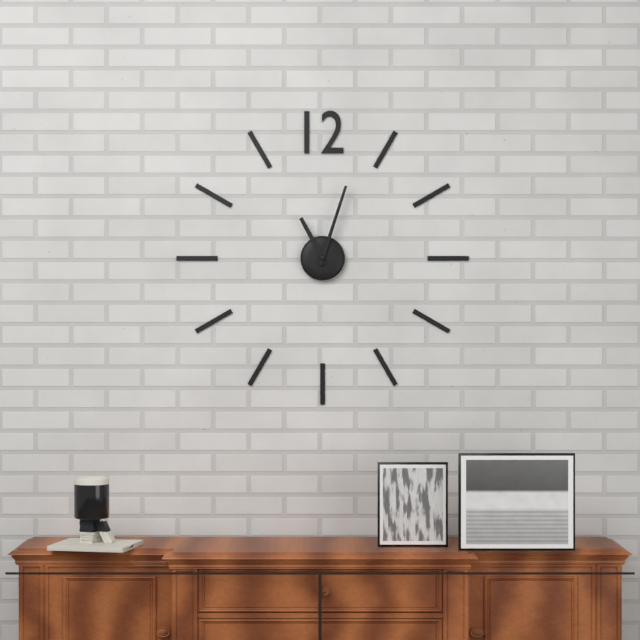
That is 11:03
